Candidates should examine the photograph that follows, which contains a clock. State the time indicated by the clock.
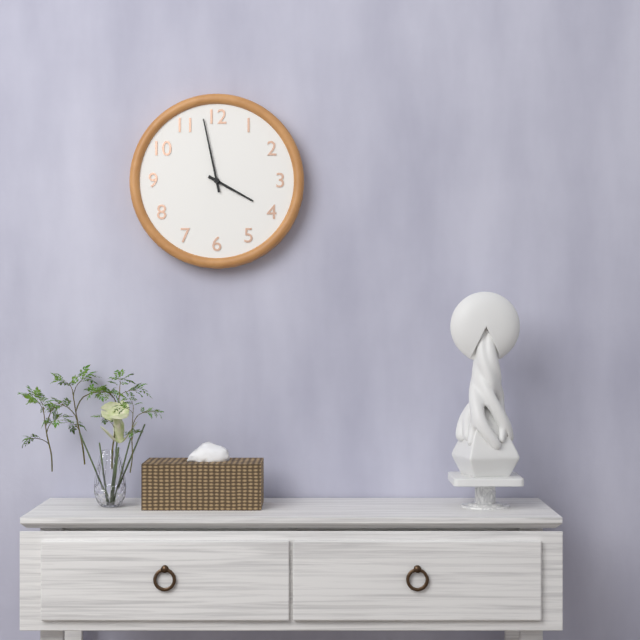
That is 3:58
